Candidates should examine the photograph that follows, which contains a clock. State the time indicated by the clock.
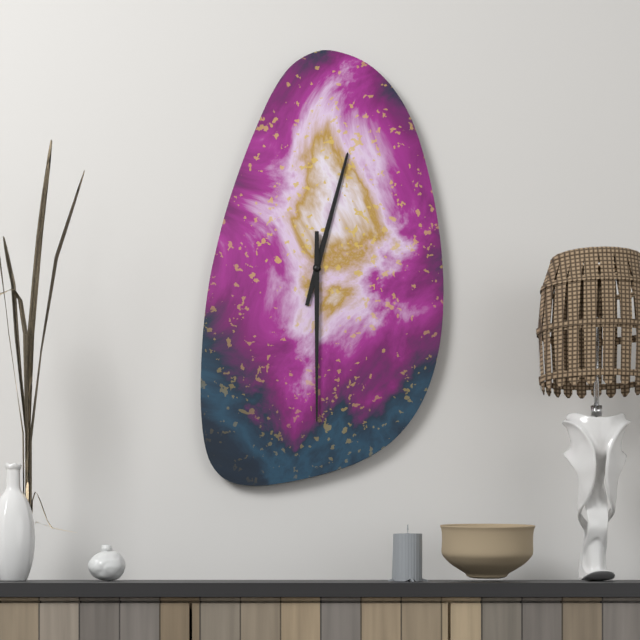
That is 12:30
